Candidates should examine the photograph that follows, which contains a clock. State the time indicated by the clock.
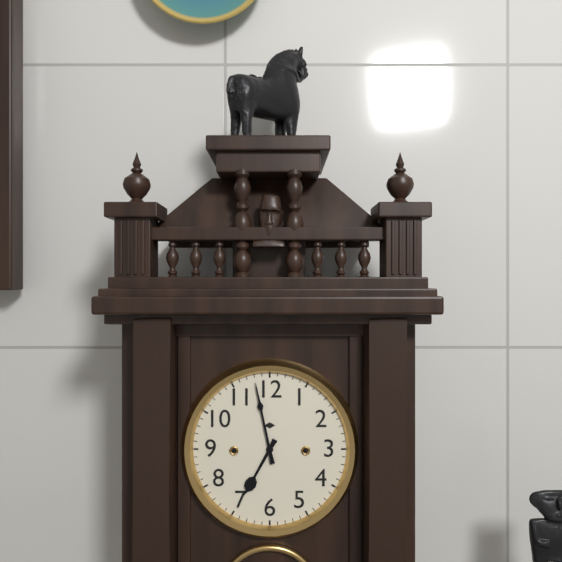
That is 6:58
